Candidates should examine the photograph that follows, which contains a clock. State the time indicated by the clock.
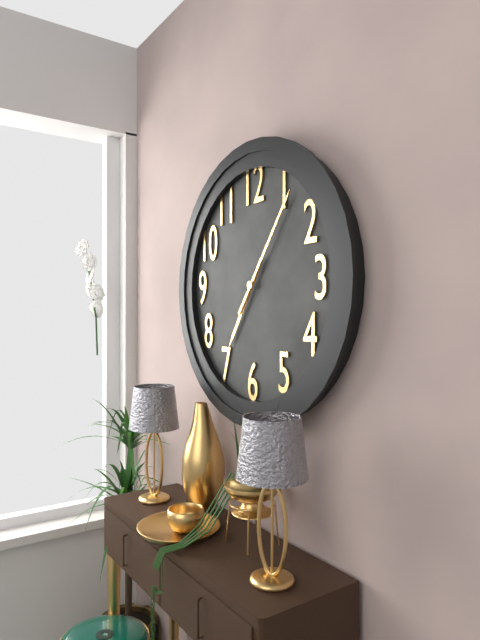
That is 7:06
